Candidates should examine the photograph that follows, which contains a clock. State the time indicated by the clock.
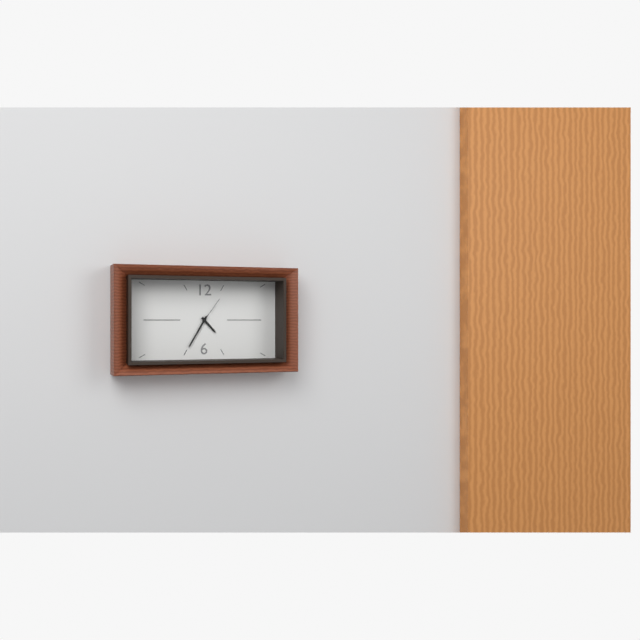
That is 4:35
